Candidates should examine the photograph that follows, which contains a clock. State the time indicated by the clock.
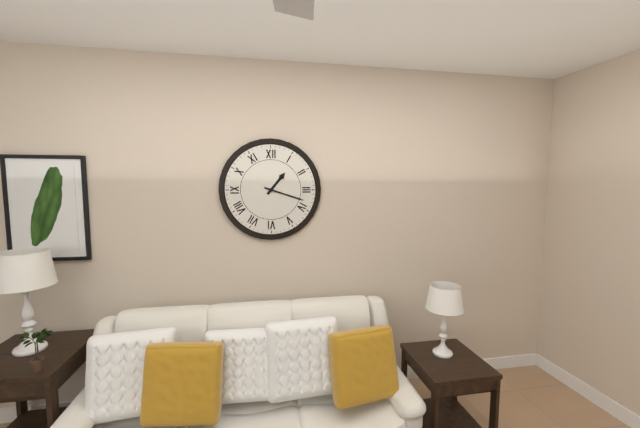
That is 1:18
